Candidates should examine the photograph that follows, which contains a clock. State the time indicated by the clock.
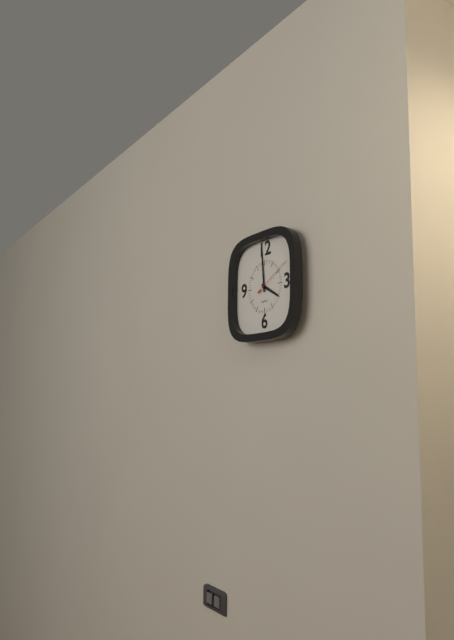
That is 3:59
